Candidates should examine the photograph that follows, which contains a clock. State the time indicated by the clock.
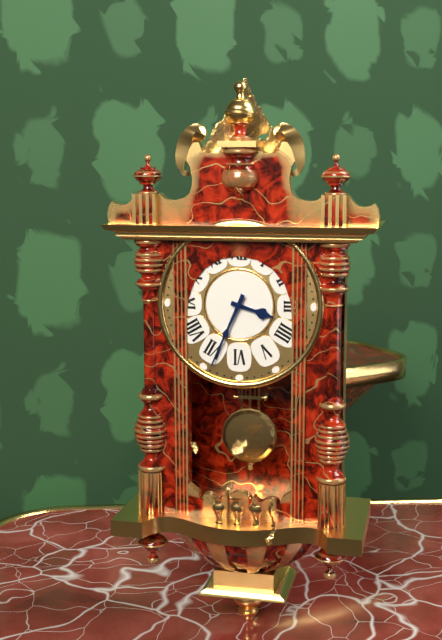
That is 3:34
